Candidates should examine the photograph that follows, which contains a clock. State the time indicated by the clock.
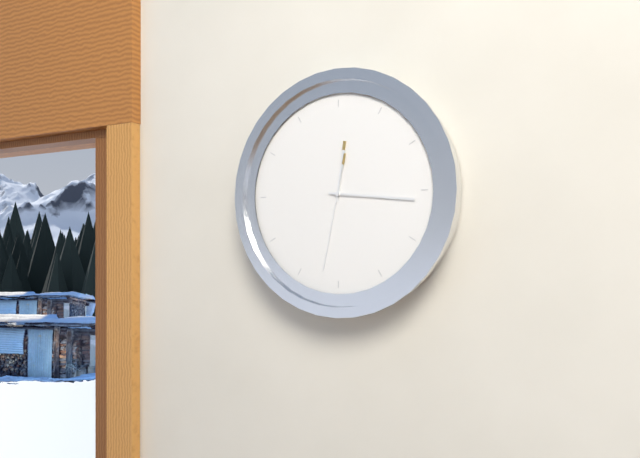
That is 12:16:32
